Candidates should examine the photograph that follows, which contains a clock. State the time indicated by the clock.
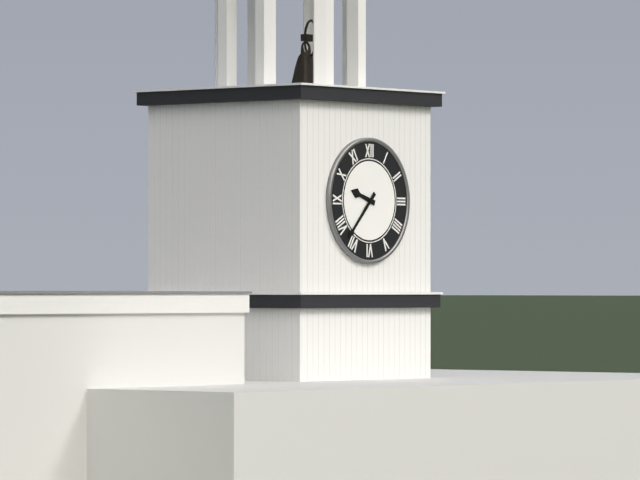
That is 9:37
